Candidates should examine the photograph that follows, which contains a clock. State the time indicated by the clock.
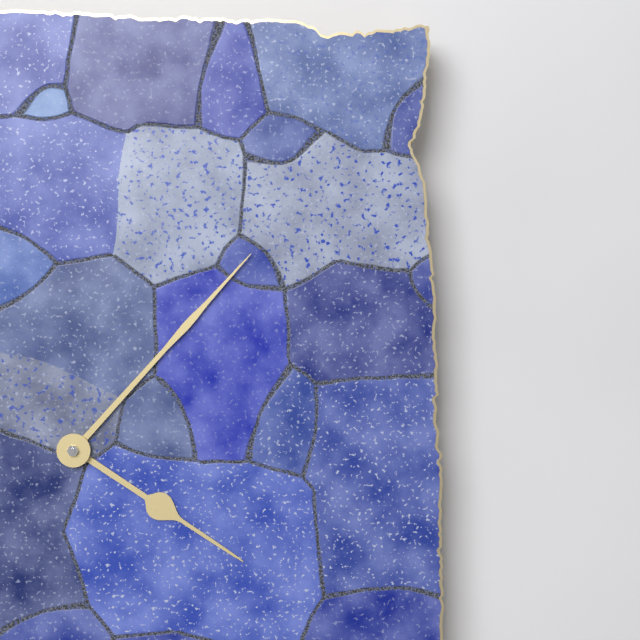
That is 4:07
